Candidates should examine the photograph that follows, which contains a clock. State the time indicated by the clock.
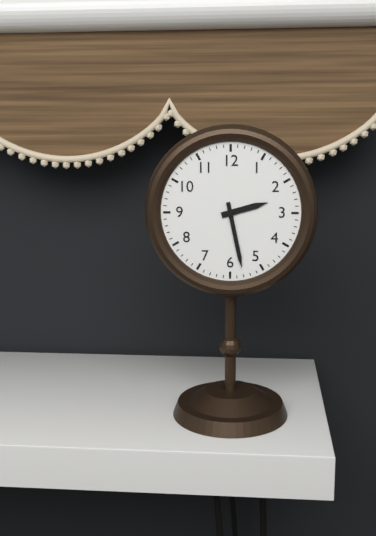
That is 2:28
